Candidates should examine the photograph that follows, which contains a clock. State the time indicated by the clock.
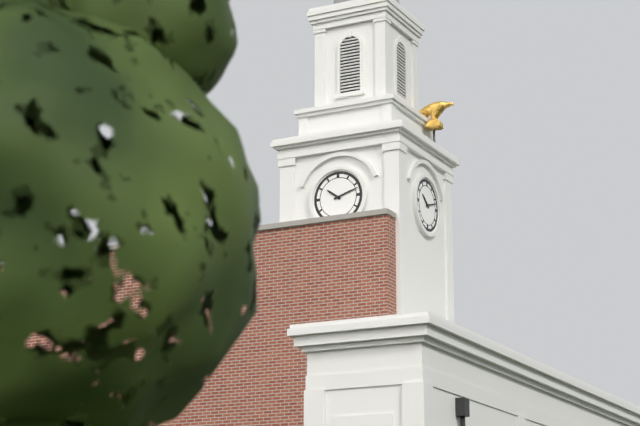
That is 10:12
